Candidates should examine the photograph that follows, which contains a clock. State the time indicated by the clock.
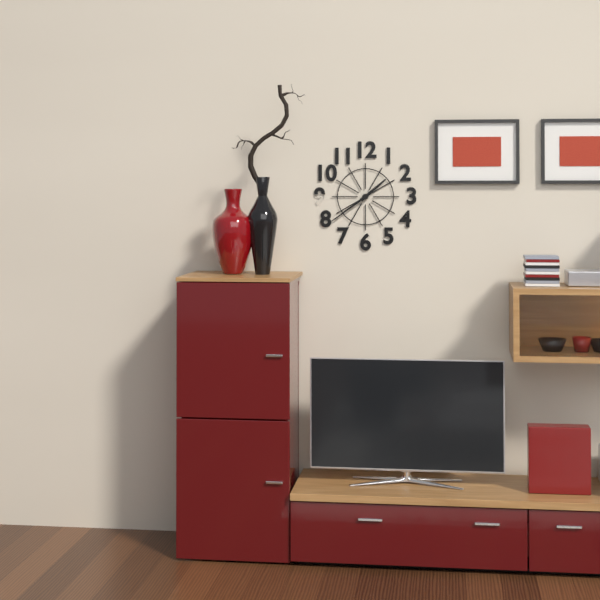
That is 1:39
